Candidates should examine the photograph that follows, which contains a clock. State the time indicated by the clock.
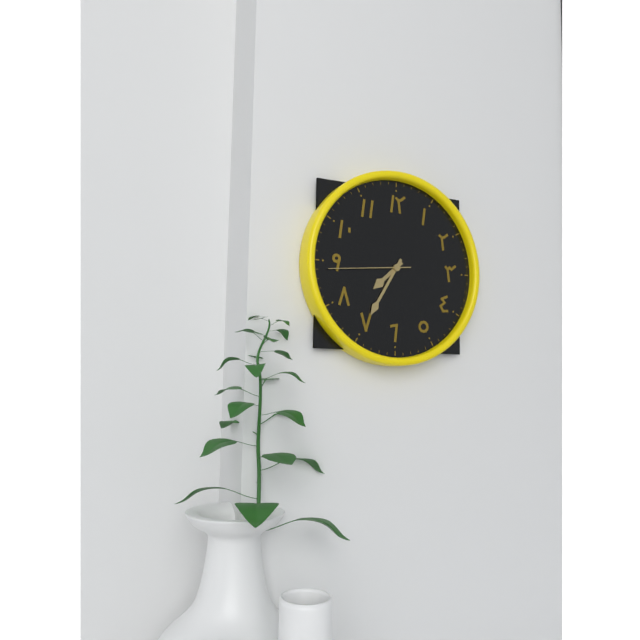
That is 7:35:44
